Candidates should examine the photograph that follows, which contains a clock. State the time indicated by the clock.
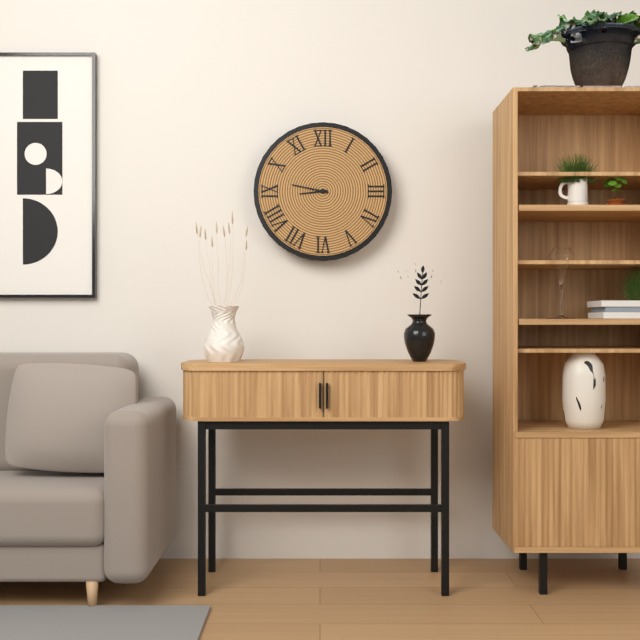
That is 8:47
